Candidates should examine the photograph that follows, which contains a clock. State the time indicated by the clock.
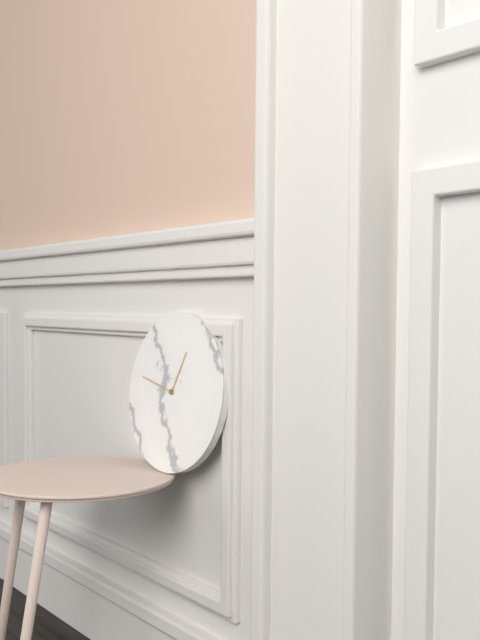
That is 12:47
